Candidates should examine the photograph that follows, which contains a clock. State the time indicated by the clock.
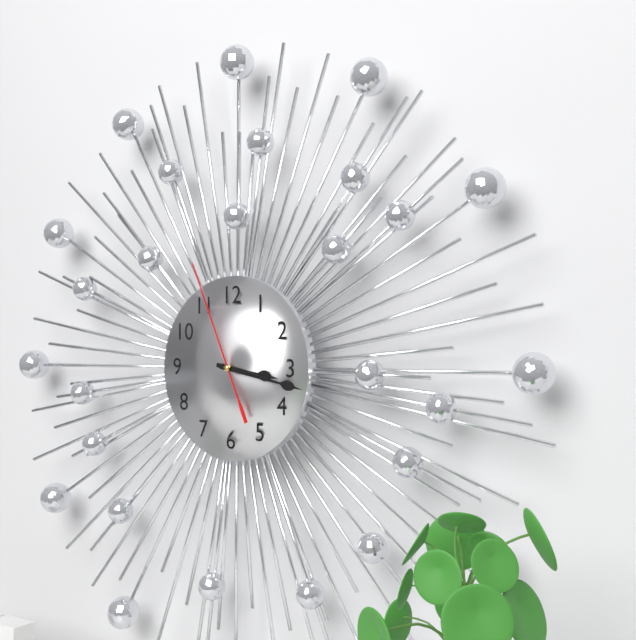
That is 3:17:56
